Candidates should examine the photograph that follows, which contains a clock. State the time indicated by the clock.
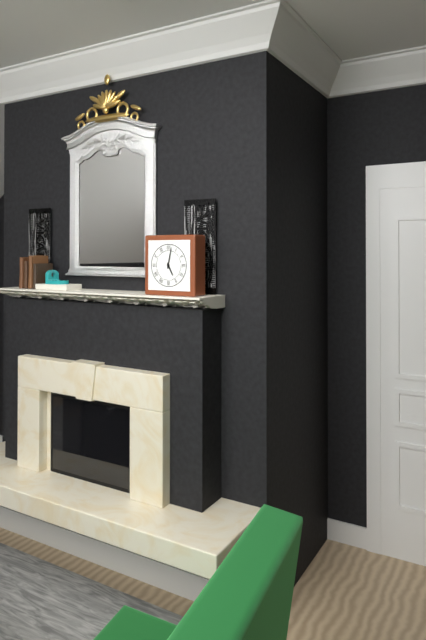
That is 5:02
